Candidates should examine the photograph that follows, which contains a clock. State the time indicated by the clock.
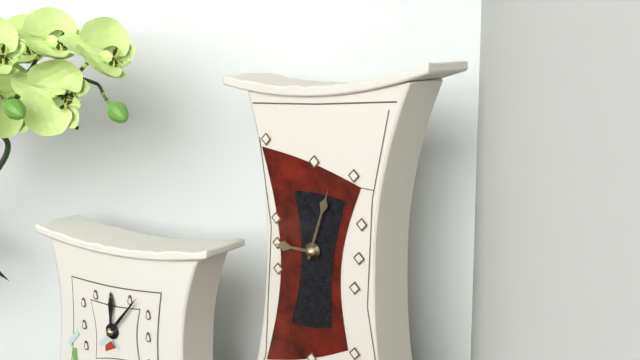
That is 9:03
